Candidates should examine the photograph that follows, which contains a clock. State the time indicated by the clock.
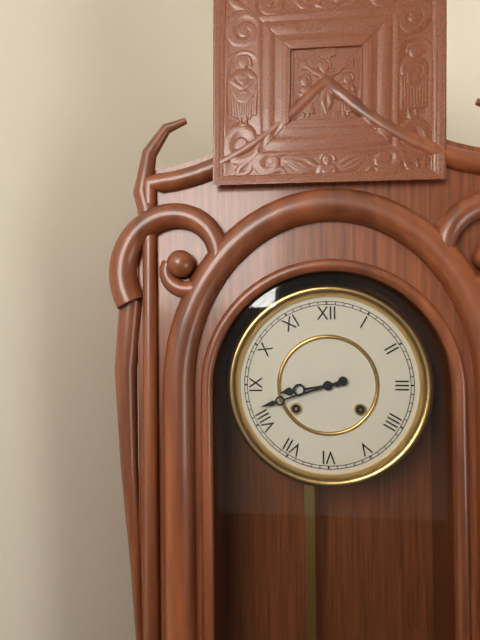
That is 8:42
